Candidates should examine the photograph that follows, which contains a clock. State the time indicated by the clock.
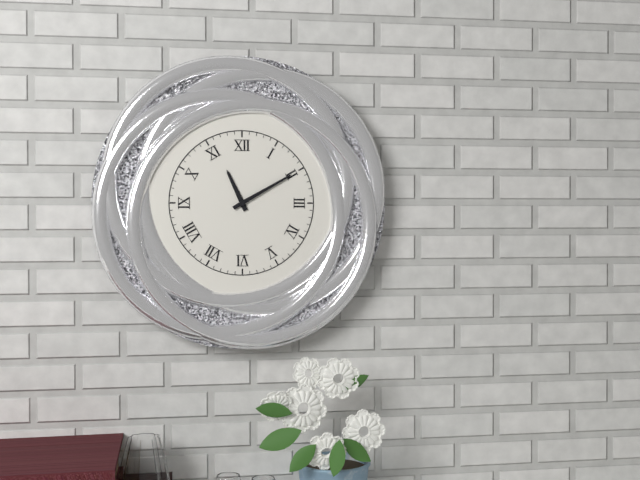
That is 11:10
